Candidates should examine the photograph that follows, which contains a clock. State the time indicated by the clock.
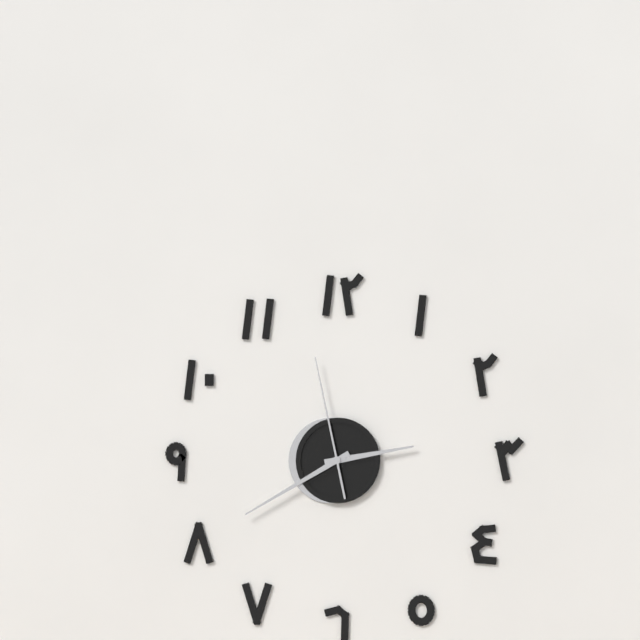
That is 2:40:58
